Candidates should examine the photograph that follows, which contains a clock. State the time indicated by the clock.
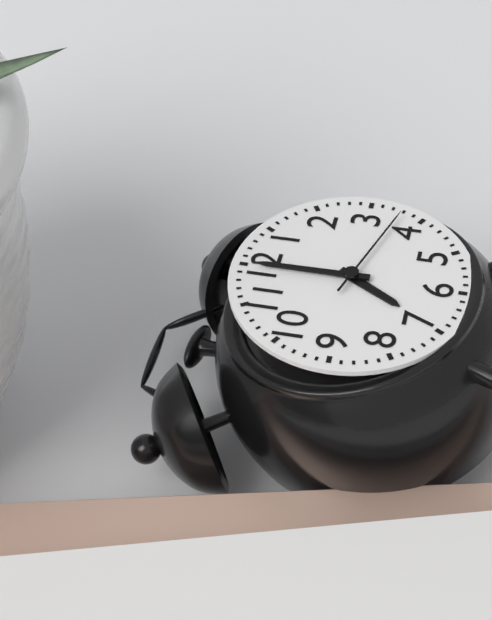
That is 7:00:18
